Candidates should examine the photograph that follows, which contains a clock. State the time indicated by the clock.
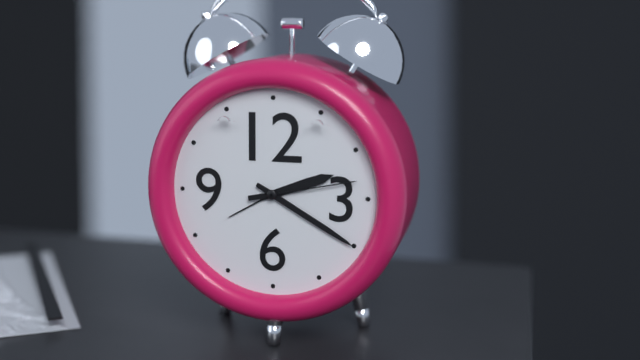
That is 2:20:13
